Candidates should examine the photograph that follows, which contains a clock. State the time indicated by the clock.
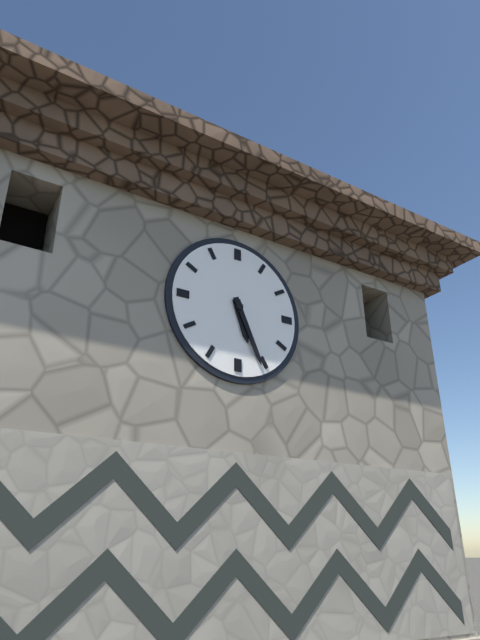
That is 5:26
